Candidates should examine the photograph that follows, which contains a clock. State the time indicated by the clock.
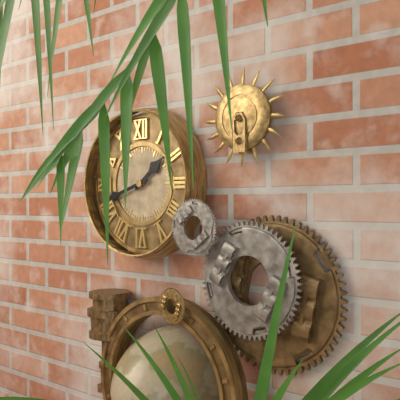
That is 1:42
